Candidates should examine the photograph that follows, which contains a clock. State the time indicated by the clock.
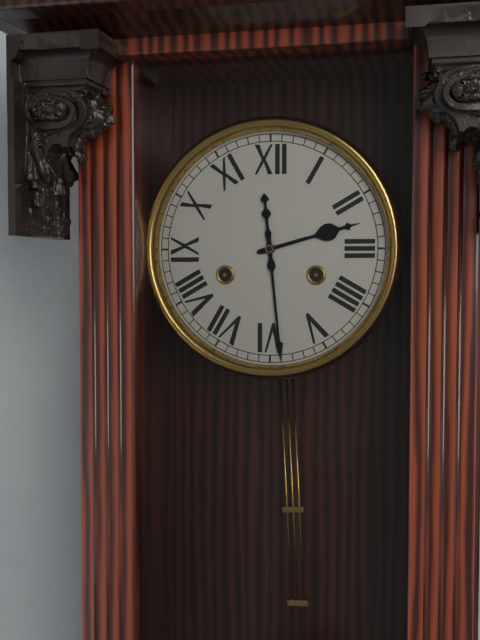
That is 2:29
